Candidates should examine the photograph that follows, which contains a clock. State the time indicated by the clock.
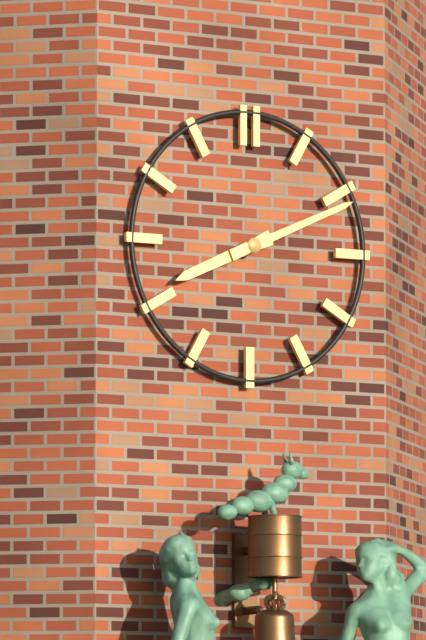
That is 8:11
